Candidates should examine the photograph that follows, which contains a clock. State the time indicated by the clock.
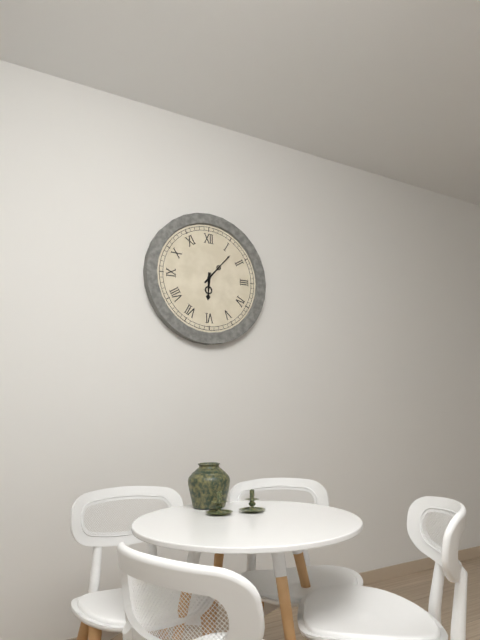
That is 6:07
